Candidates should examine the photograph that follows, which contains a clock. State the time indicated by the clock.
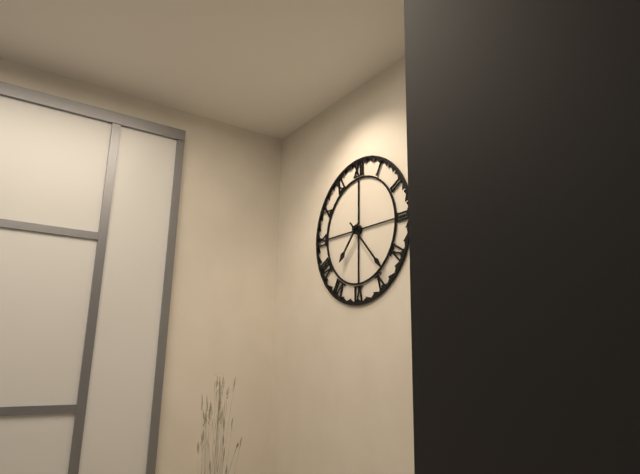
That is 7:23
